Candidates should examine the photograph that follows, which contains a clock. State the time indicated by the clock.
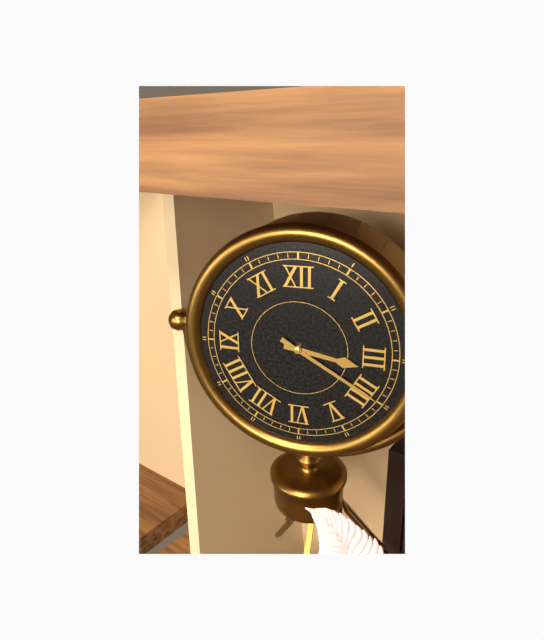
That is 3:20
